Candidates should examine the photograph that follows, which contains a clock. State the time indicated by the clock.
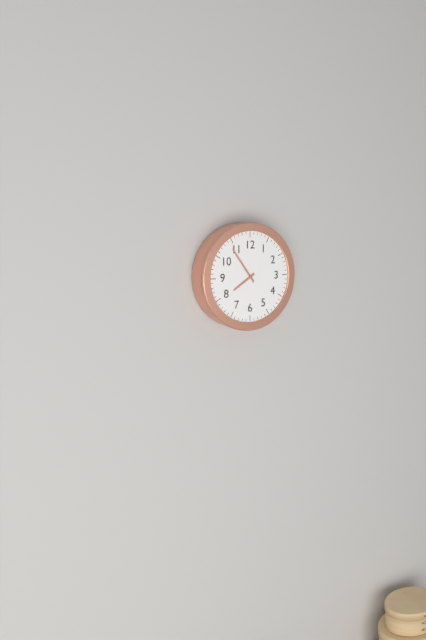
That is 7:54
